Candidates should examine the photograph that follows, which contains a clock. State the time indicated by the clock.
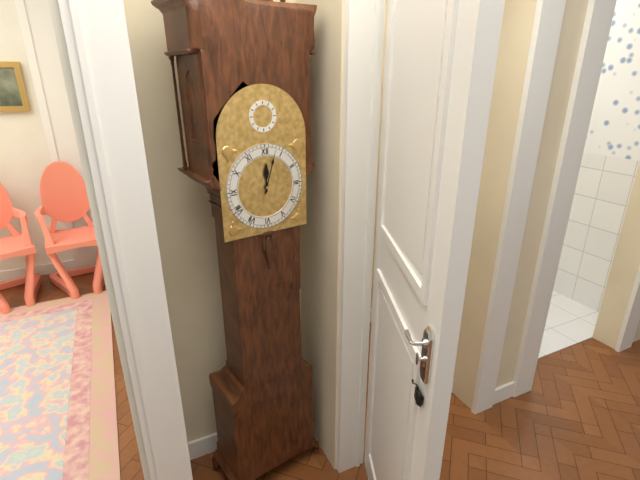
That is 12:03
